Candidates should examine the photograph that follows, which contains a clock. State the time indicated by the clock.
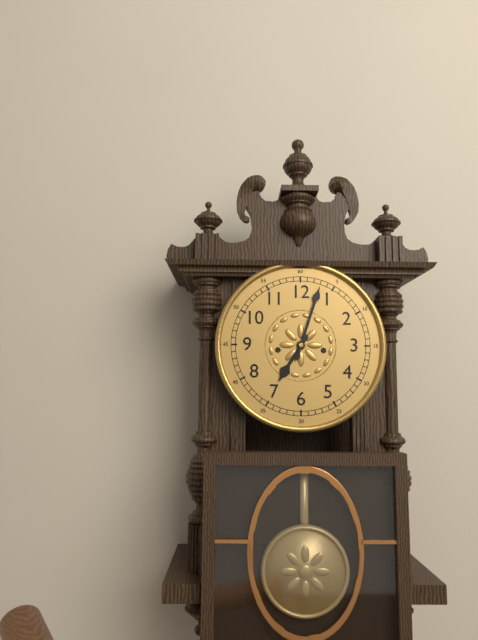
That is 7:03
